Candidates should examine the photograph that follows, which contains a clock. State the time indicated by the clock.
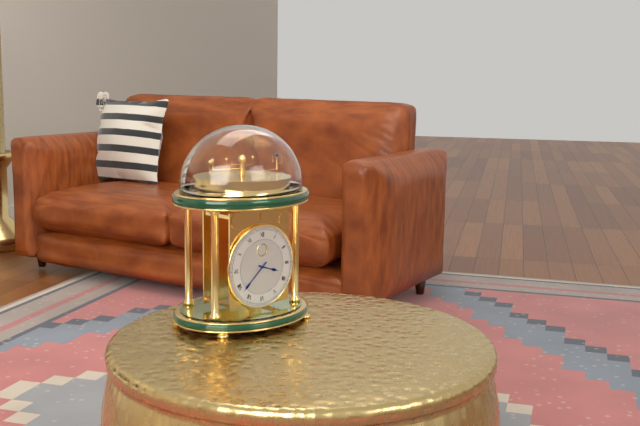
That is 3:38
